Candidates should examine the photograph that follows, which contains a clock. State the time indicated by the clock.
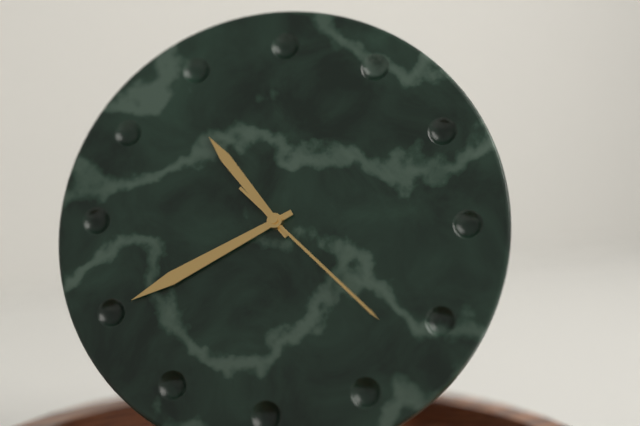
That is 10:40:22
